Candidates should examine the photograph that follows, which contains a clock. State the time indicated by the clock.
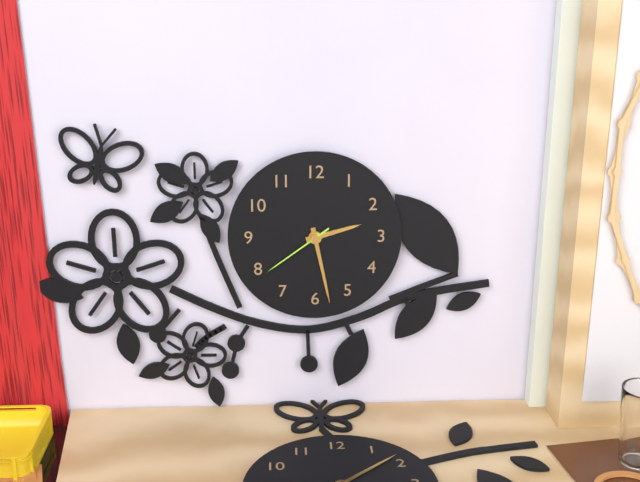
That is 2:28:39
